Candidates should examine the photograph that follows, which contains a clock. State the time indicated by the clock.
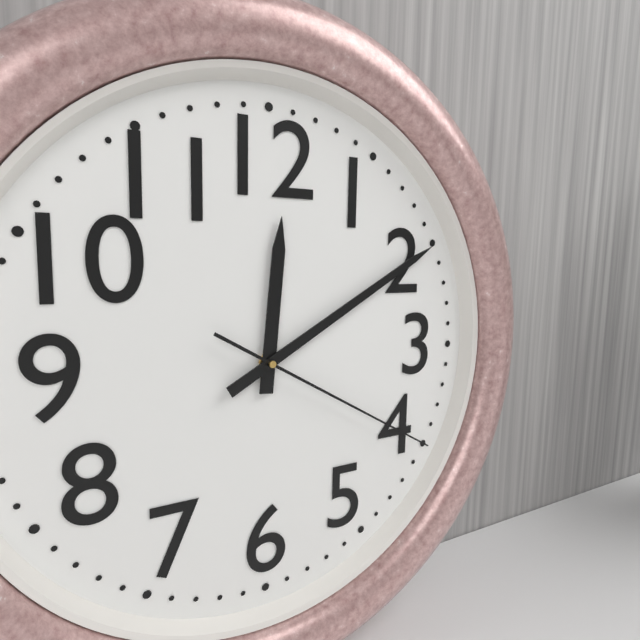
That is 12:10:20
